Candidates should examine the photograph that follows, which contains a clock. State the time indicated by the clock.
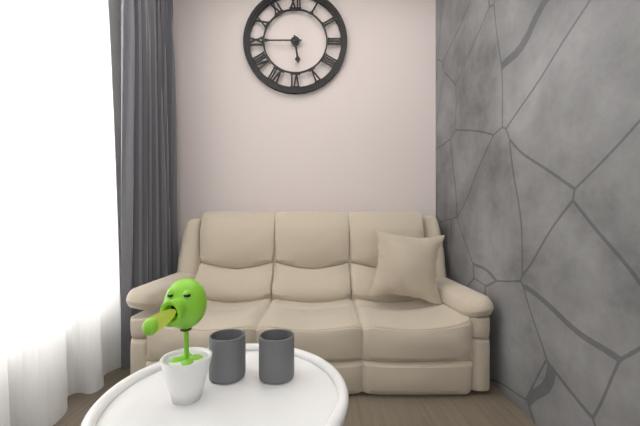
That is 5:45
